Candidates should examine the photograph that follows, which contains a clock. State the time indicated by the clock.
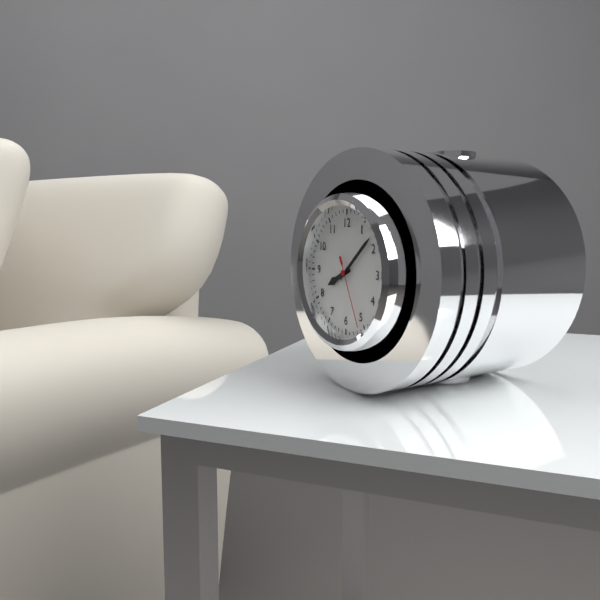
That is 8:08:26
